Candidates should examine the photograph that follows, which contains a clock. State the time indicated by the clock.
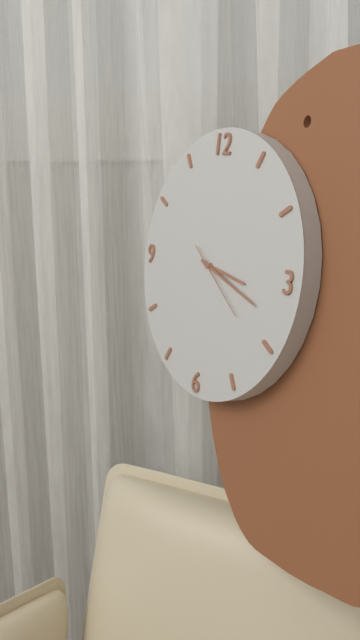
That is 3:18:21
